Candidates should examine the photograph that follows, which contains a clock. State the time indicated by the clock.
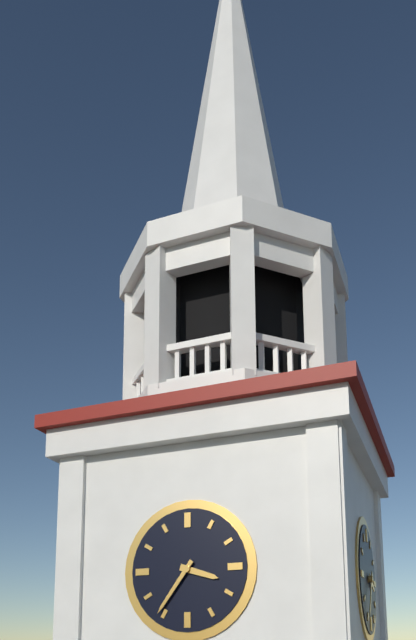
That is 3:36
